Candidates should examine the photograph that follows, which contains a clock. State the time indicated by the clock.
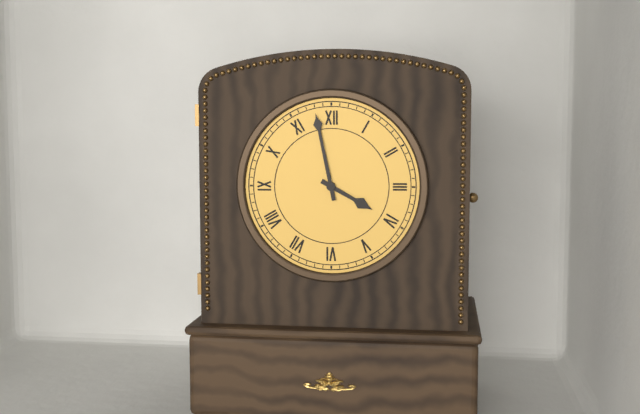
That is 3:58
